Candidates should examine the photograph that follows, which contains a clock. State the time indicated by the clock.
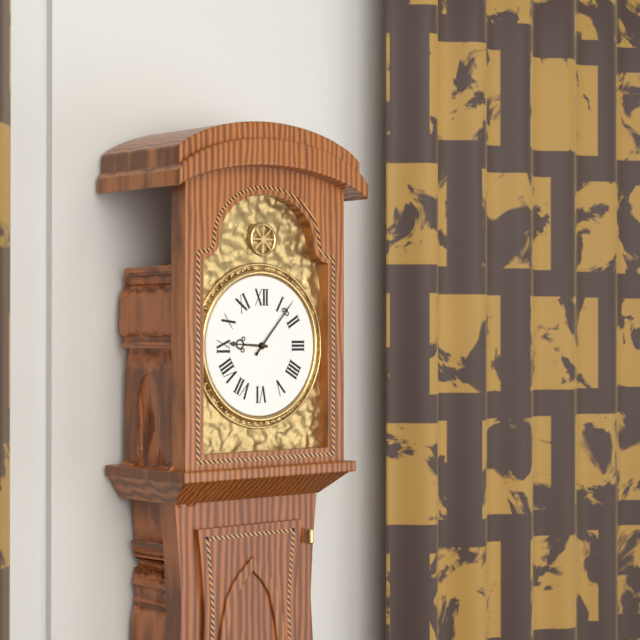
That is 9:07
